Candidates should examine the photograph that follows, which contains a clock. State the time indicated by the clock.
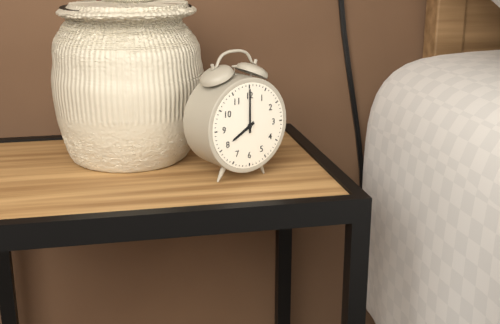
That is 8:00
